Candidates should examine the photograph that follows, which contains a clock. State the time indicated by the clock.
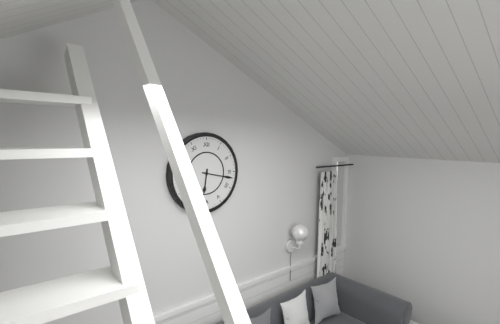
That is 6:17
